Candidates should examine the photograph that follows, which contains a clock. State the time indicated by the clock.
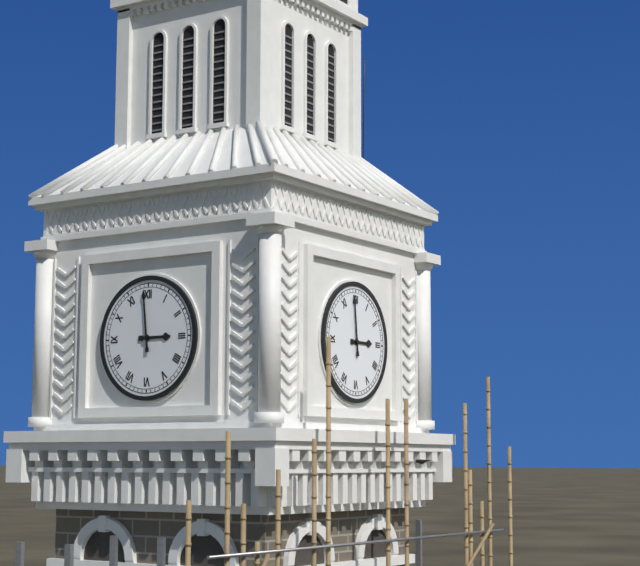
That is 2:59
